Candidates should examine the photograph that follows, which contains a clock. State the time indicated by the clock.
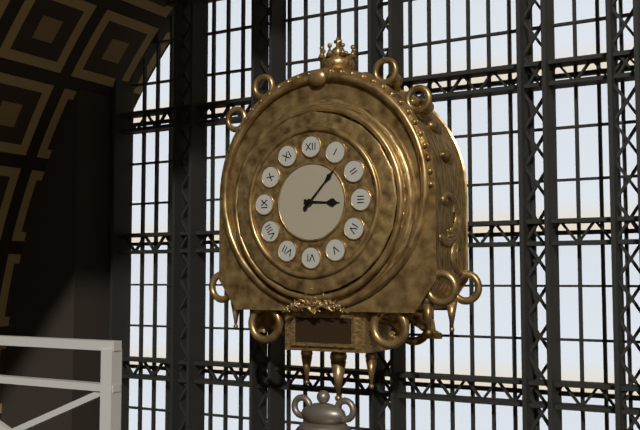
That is 3:07
